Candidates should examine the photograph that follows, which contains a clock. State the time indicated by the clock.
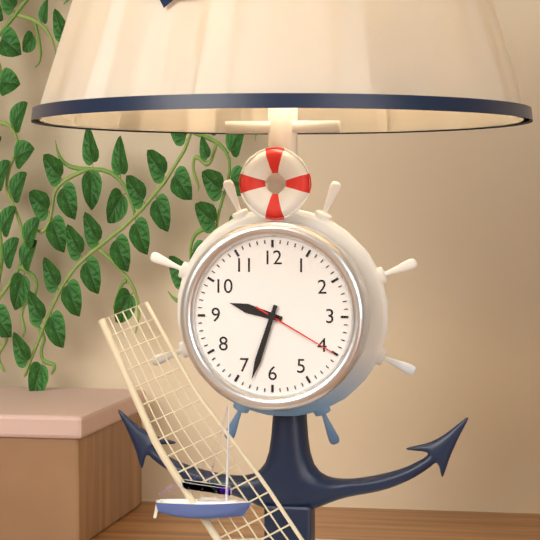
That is 9:33:20
